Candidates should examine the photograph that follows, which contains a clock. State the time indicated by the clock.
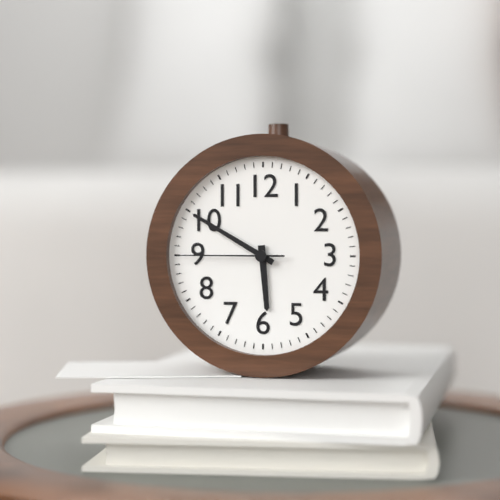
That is 5:50:45
